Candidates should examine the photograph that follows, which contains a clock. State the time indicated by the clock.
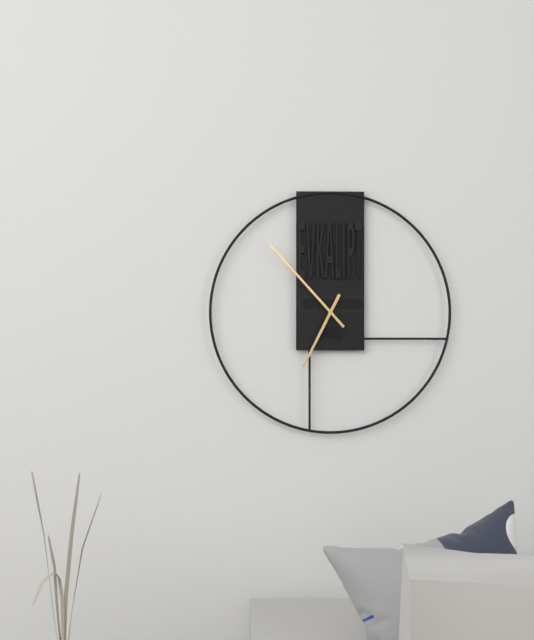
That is 6:53
